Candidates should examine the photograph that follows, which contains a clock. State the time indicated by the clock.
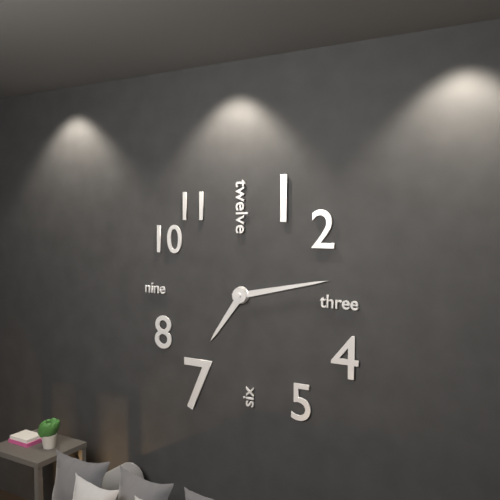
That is 7:13
